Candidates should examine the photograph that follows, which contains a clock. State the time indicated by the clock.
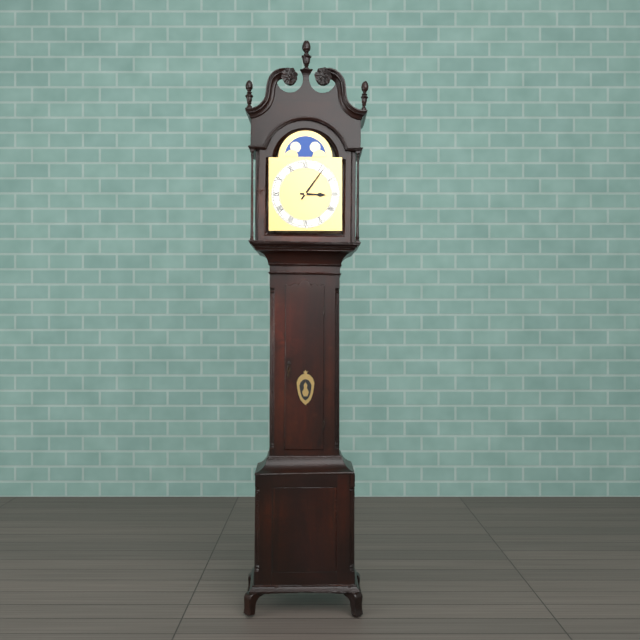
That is 3:06
